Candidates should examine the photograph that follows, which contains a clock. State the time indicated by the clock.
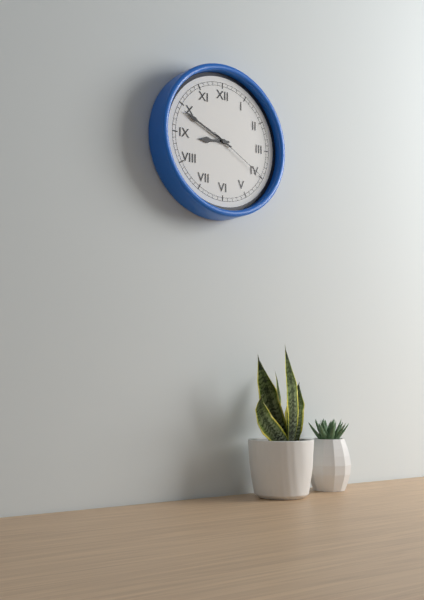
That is 8:49:20
